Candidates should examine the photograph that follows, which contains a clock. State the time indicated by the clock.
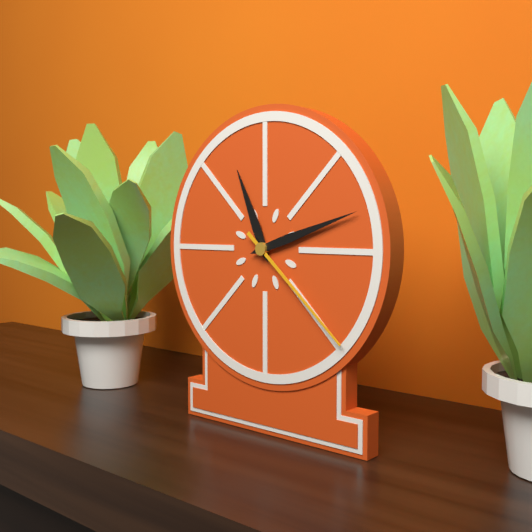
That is 11:12:22
